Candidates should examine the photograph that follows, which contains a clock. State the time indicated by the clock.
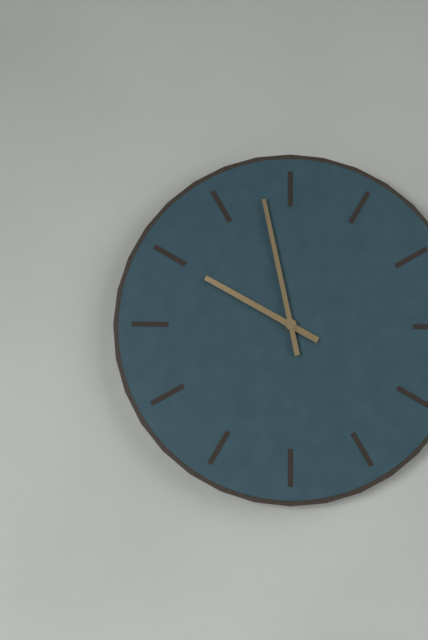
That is 9:58
